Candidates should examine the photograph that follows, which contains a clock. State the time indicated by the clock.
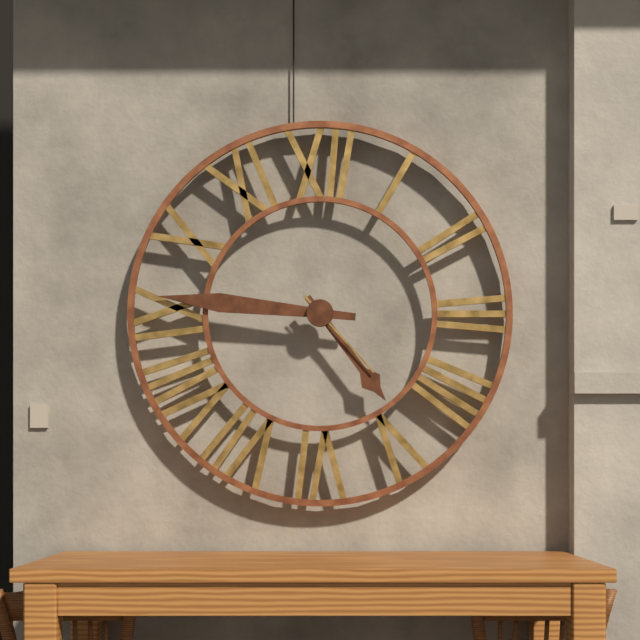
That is 4:46:23
